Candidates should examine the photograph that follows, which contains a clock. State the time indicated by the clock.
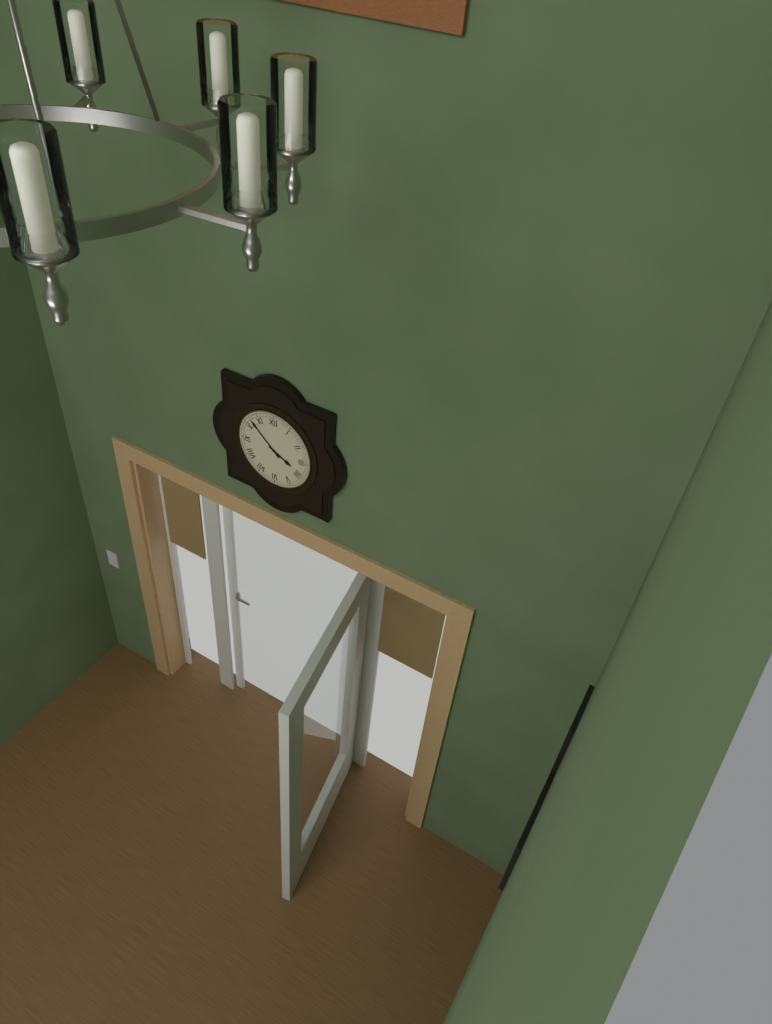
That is 3:52
